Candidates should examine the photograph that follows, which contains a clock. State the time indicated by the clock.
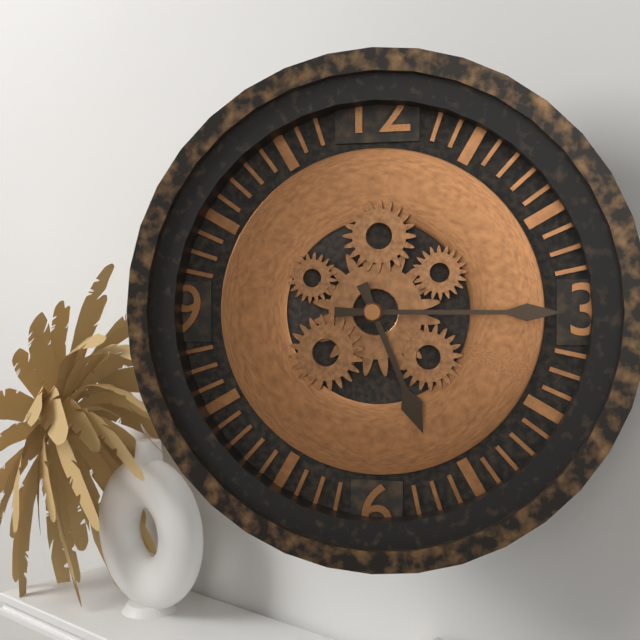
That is 5:15
